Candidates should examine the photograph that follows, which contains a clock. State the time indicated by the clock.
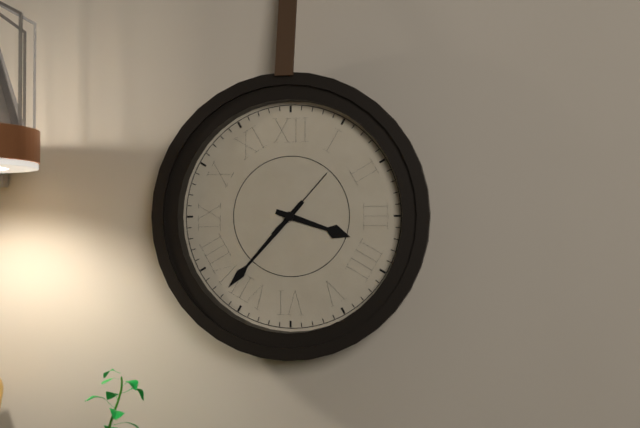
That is 3:37:07
